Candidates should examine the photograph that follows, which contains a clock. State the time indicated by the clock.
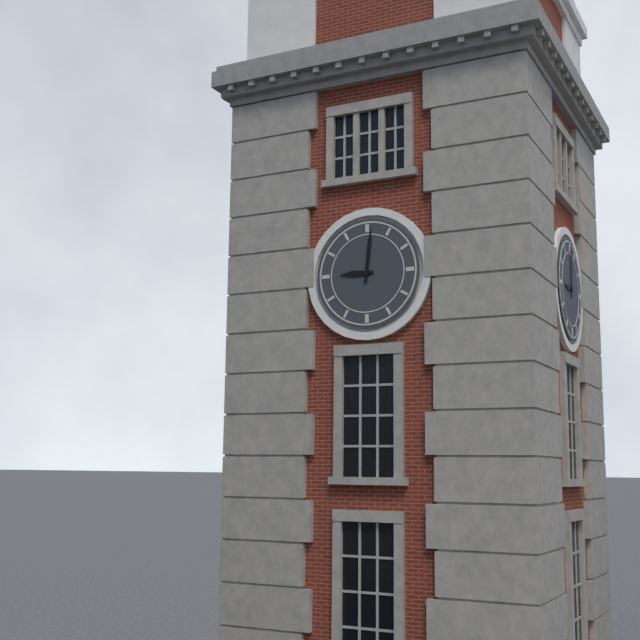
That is 9:01
